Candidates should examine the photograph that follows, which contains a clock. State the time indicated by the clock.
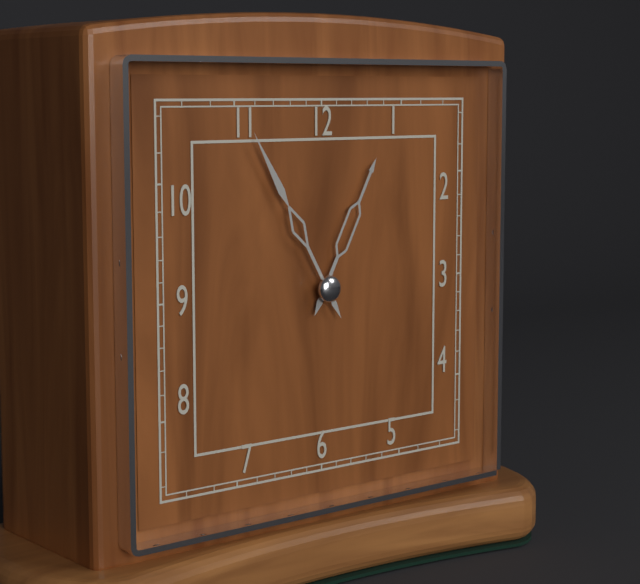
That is 12:55
